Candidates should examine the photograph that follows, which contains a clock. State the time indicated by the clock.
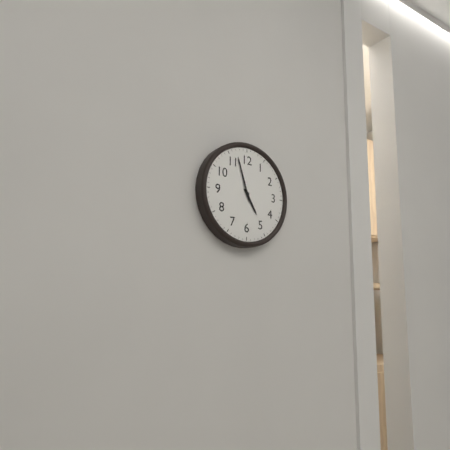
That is 4:57
